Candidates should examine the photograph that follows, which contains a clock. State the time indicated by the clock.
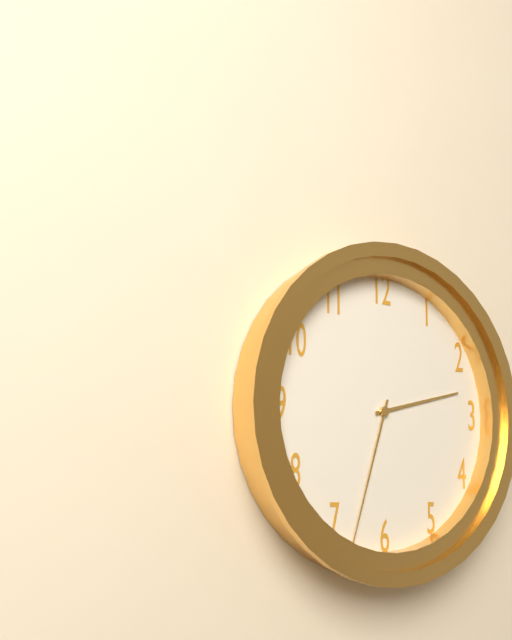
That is 2:33
